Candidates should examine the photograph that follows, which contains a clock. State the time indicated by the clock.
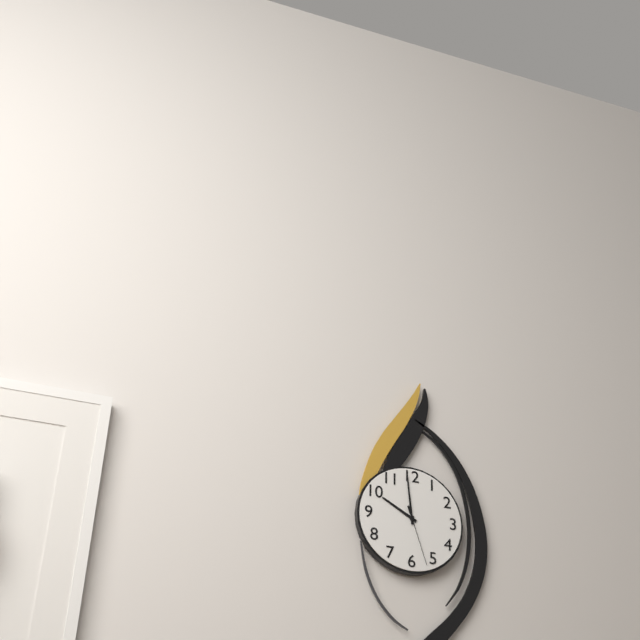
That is 9:59:27
